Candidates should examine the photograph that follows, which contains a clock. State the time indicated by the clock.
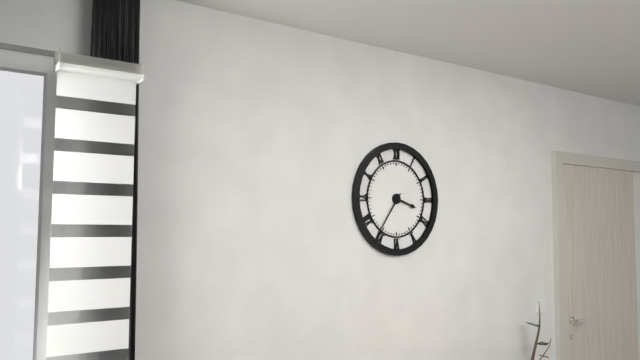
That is 3:36
